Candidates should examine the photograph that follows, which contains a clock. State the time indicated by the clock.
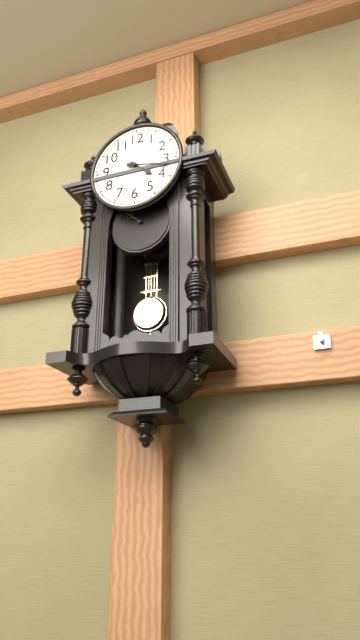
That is 4:17
